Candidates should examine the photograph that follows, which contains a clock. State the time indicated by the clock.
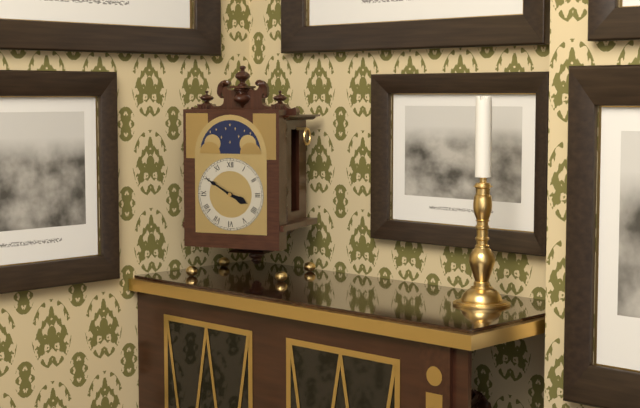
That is 3:50
